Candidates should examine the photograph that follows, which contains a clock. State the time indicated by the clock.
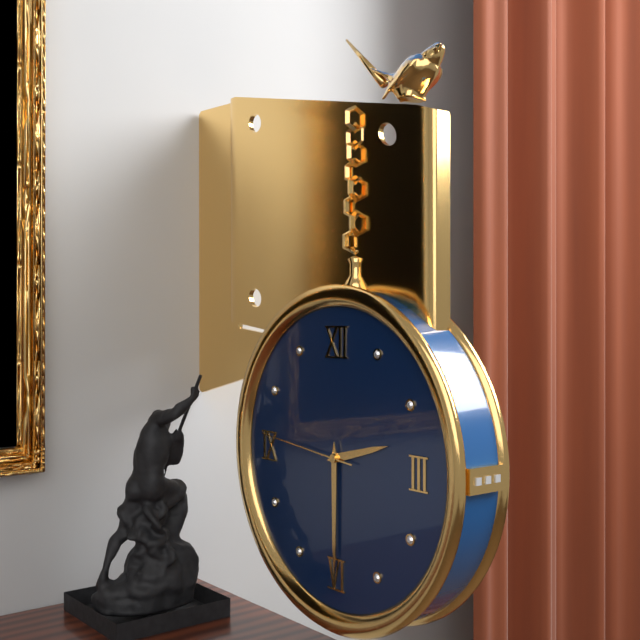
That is 2:30:46
